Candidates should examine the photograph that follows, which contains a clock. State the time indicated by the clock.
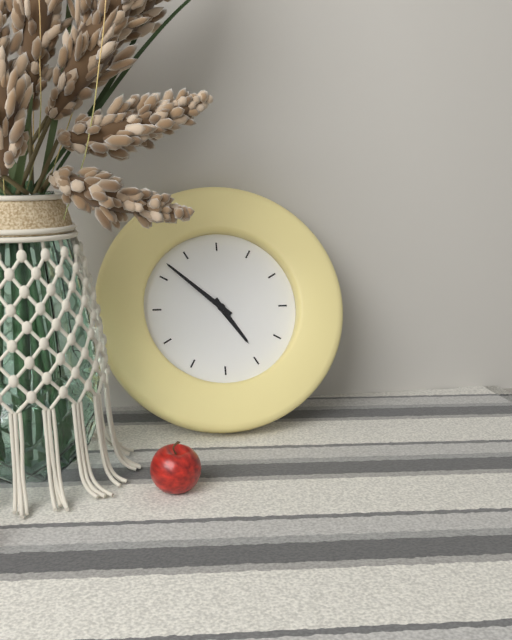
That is 4:52
